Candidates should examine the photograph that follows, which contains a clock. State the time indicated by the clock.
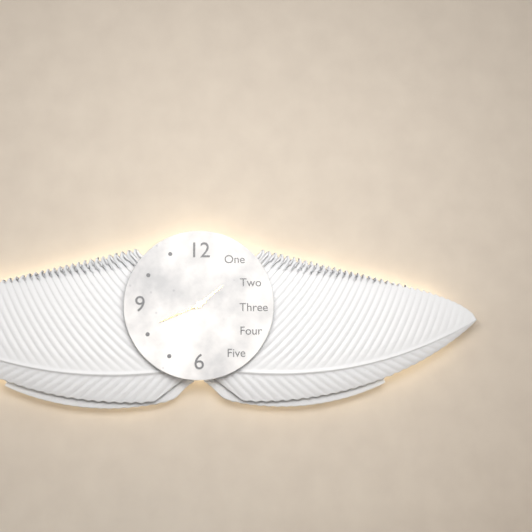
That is 1:41
